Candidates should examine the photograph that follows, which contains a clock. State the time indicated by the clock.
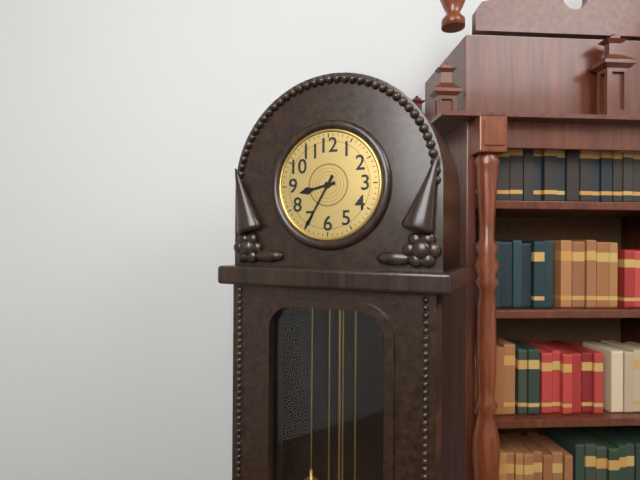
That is 8:35
